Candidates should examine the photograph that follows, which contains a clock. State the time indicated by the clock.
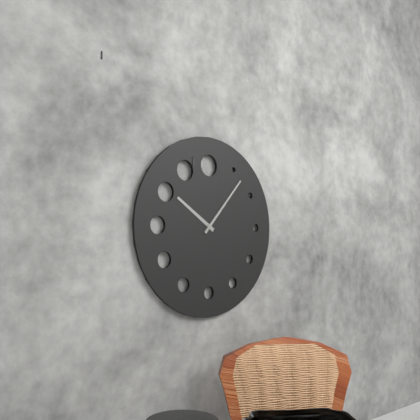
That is 10:07
